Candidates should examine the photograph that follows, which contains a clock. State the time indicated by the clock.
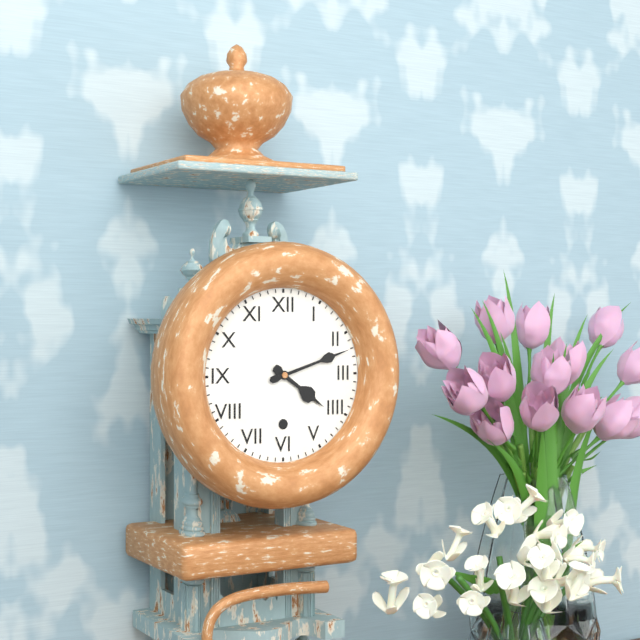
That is 4:12
